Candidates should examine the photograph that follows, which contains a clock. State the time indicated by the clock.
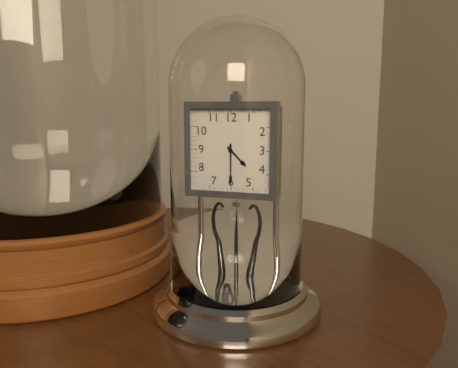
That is 4:30
